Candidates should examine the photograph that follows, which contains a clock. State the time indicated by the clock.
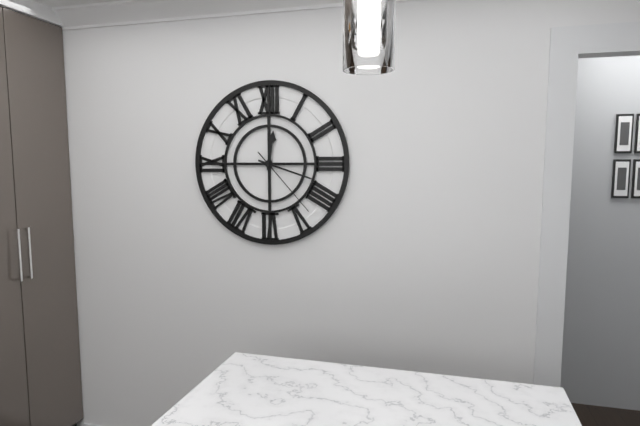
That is 12:18:23
